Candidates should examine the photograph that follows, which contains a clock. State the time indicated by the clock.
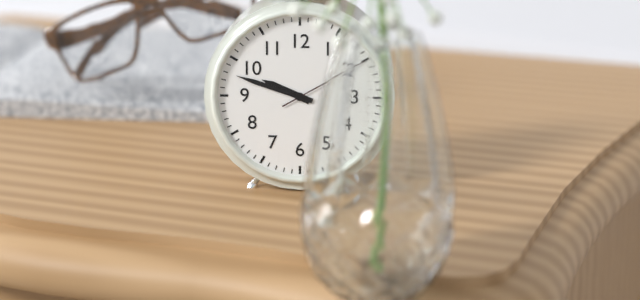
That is 9:48:10
